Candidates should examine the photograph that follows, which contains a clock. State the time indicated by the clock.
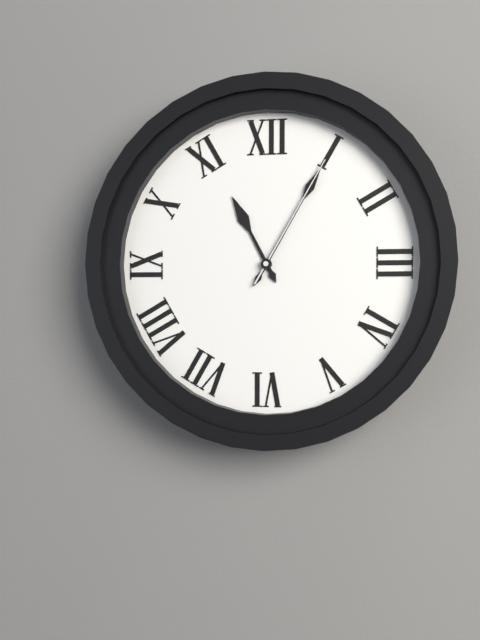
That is 11:05:05
